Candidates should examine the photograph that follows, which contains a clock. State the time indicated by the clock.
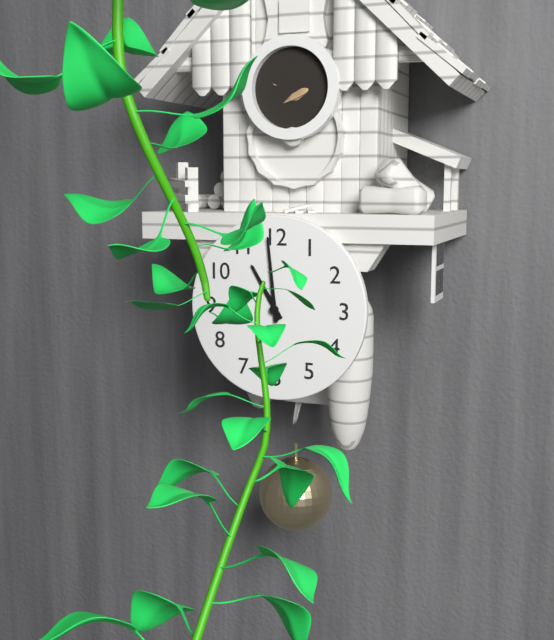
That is 10:59
